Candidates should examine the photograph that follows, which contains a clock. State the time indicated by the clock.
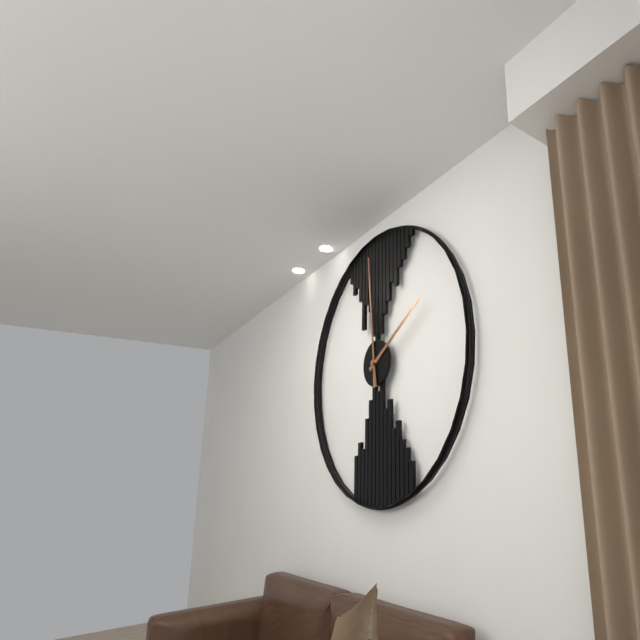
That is 1:59
